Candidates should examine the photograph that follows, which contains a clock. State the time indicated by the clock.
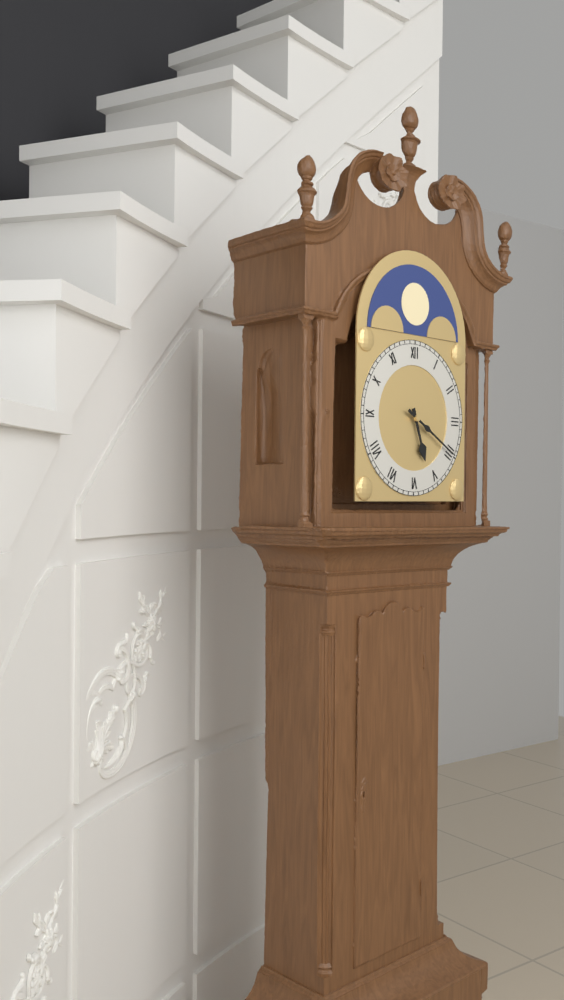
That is 5:20
